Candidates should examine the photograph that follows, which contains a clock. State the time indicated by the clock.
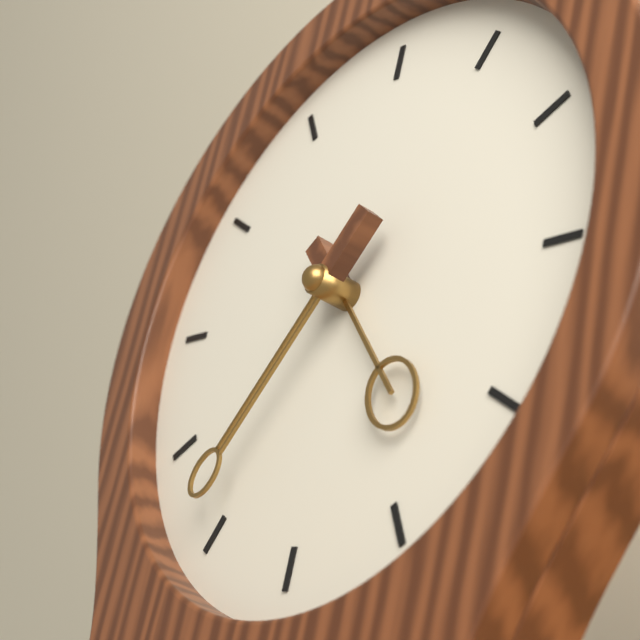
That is 4:36
